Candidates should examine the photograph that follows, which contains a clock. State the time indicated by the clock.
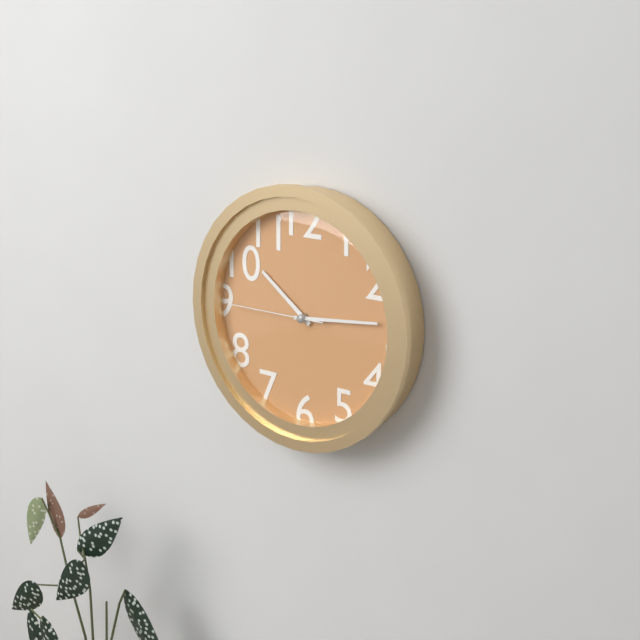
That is 10:14:45
